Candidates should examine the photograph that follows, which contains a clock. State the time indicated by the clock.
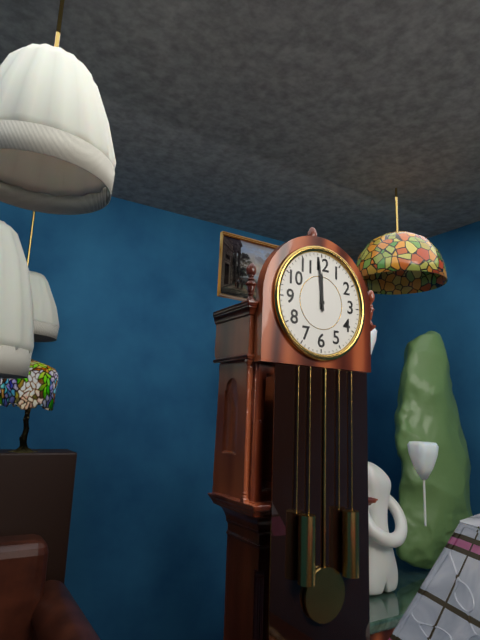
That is 11:59
